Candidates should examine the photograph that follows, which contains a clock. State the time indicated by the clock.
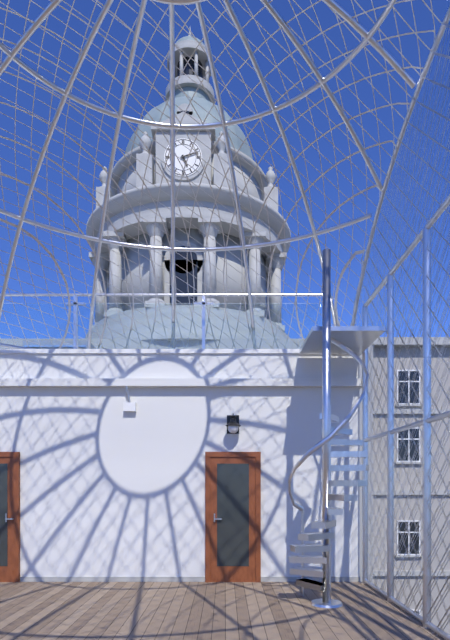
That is 5:12
